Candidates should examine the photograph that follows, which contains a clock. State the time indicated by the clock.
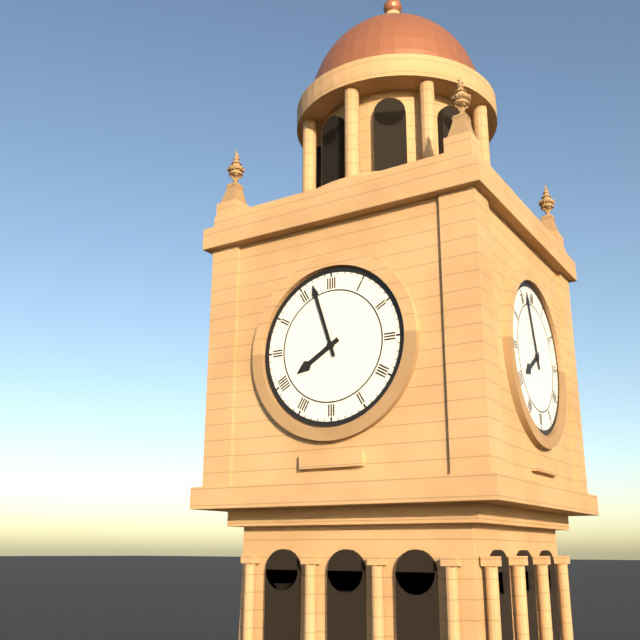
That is 7:57
